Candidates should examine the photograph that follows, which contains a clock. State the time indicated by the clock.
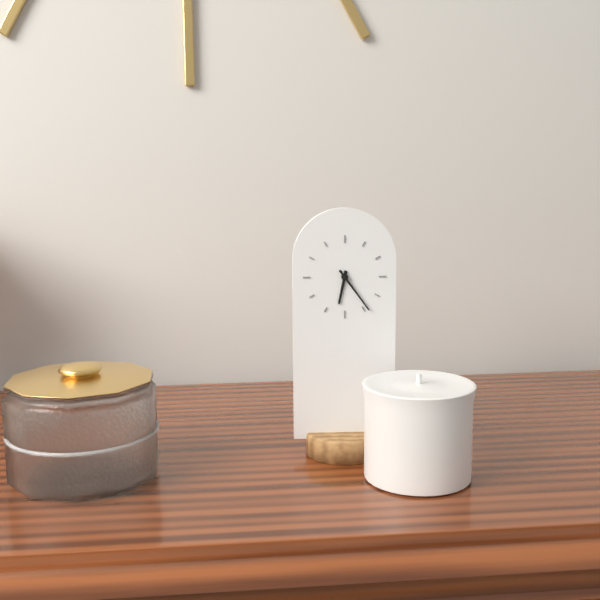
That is 6:24
